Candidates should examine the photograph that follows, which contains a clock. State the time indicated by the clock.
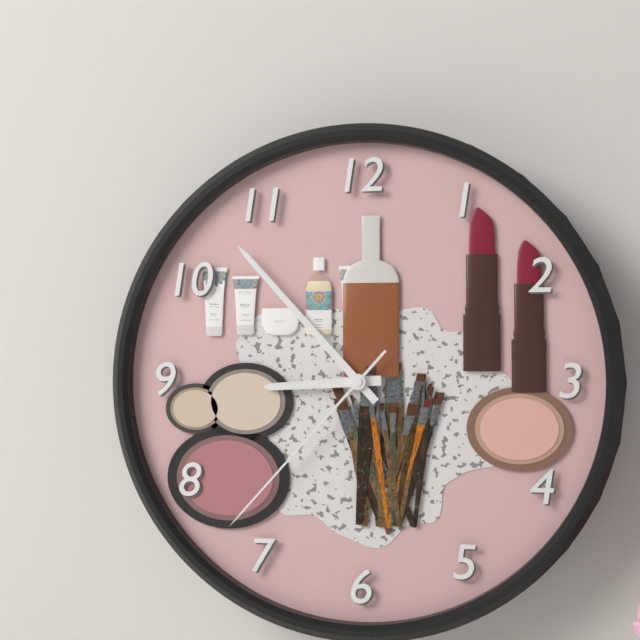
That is 8:53:37
